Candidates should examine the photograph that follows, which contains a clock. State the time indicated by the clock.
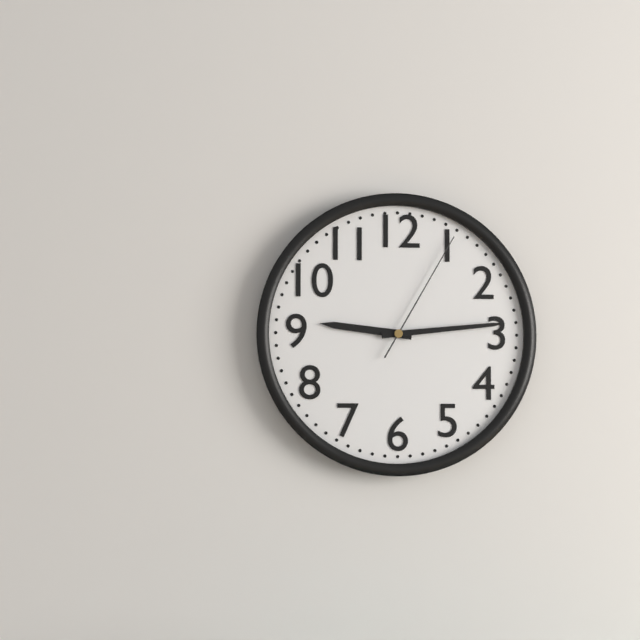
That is 9:14:05
